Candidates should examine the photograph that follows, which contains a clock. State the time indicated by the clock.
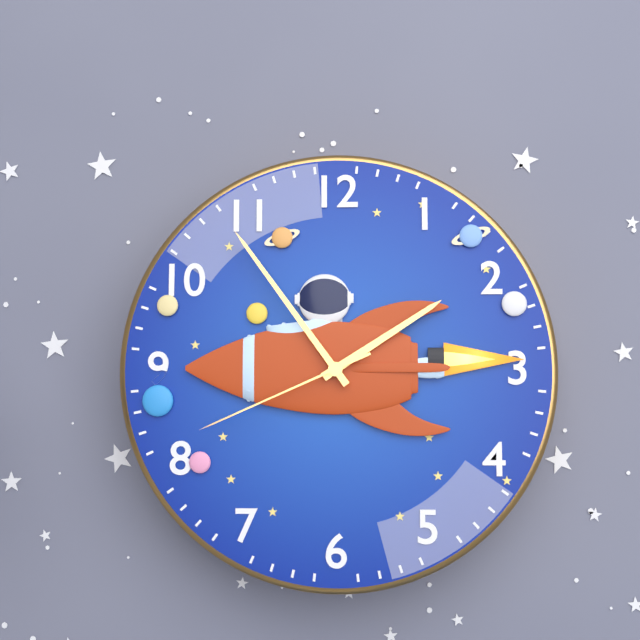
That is 1:54:41
